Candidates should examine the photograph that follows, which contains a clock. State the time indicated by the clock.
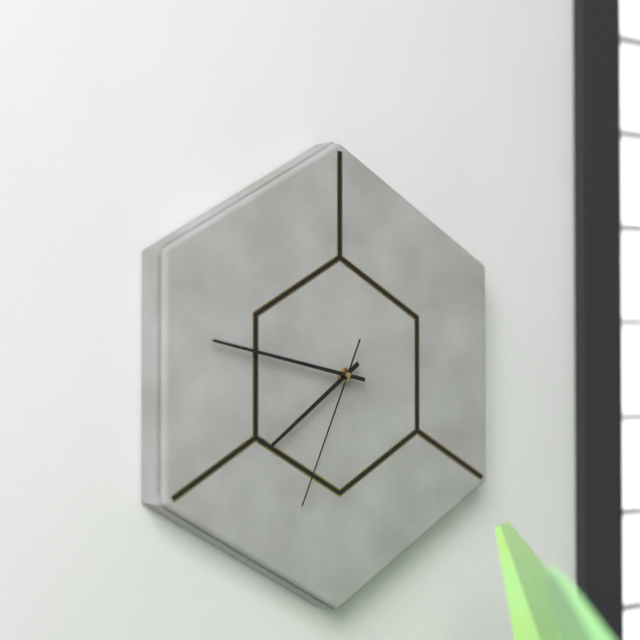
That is 7:47:34
